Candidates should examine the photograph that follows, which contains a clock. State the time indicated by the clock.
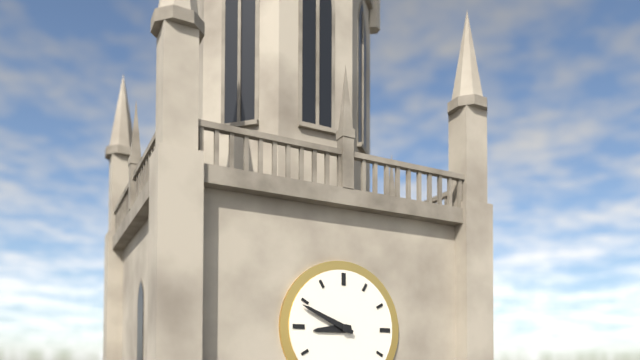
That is 8:49
